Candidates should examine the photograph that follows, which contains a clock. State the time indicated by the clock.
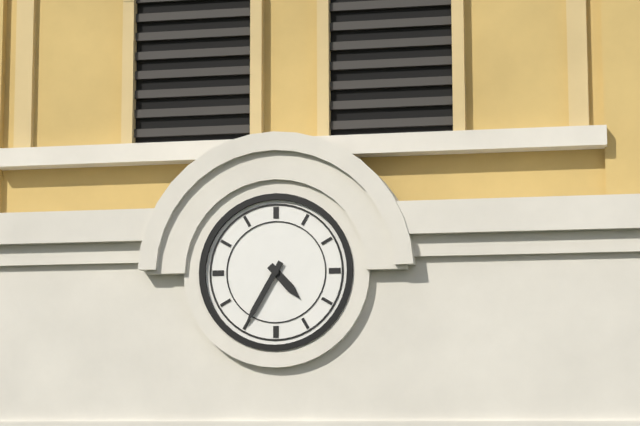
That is 4:35
